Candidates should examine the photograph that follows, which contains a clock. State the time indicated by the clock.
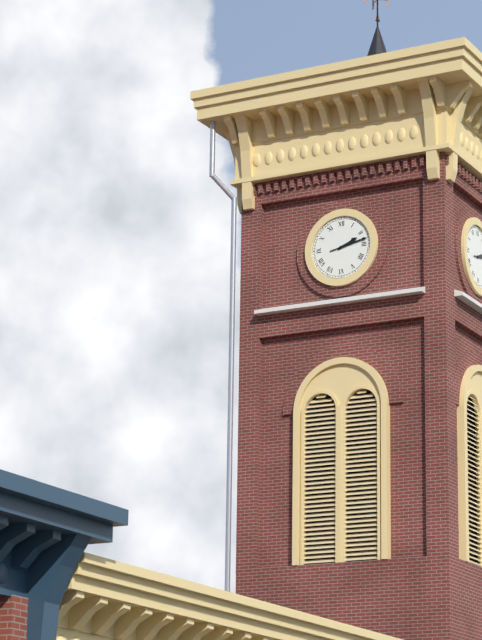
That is 2:13
